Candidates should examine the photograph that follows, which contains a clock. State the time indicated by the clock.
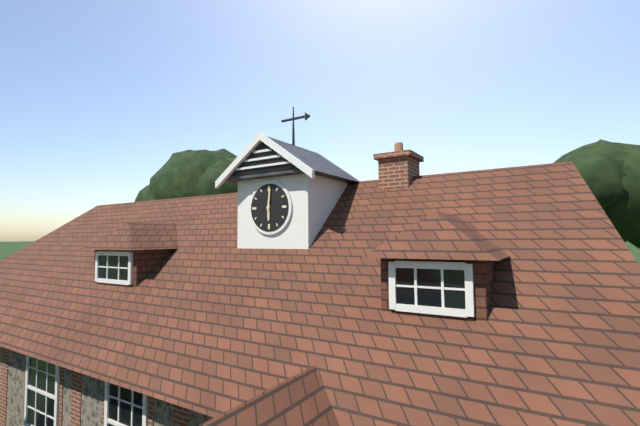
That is 6:01
